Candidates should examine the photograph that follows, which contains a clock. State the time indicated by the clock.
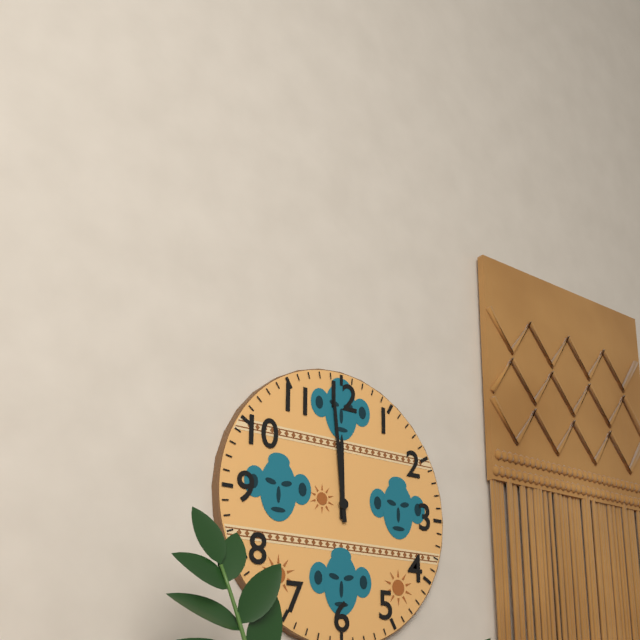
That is 11:59
